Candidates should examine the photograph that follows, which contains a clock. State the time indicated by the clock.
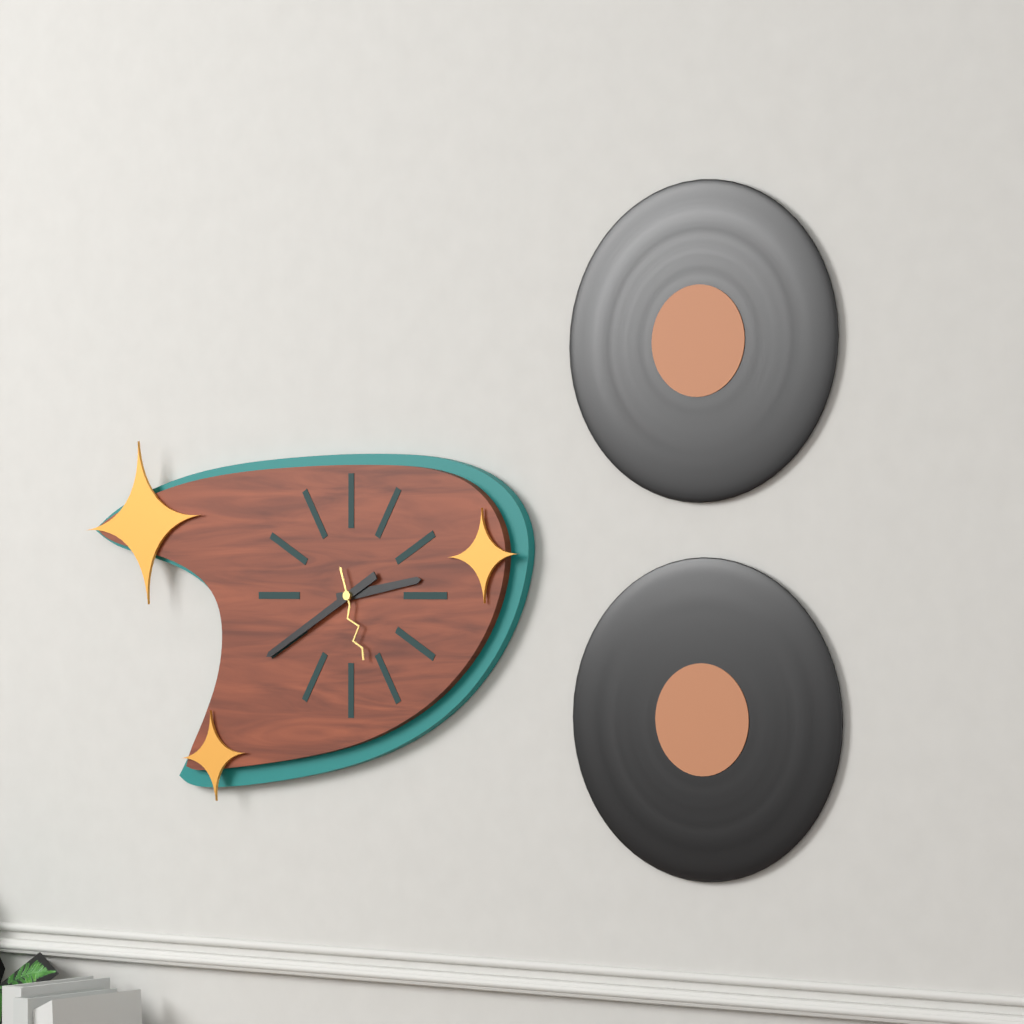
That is 2:40:27
